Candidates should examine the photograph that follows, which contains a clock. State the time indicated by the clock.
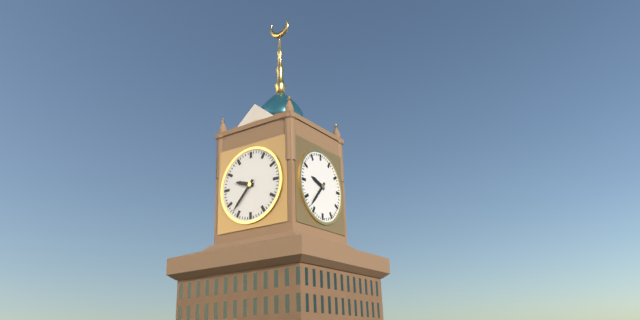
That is 9:37
